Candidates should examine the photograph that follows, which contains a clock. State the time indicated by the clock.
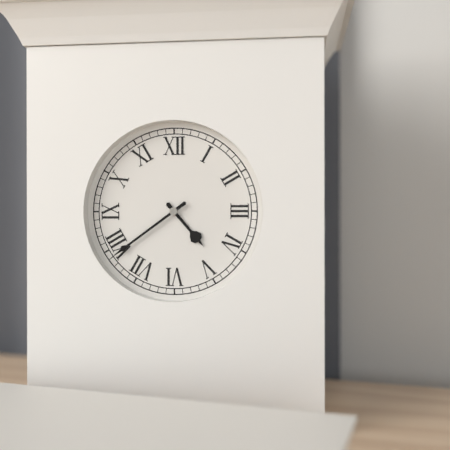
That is 4:39
